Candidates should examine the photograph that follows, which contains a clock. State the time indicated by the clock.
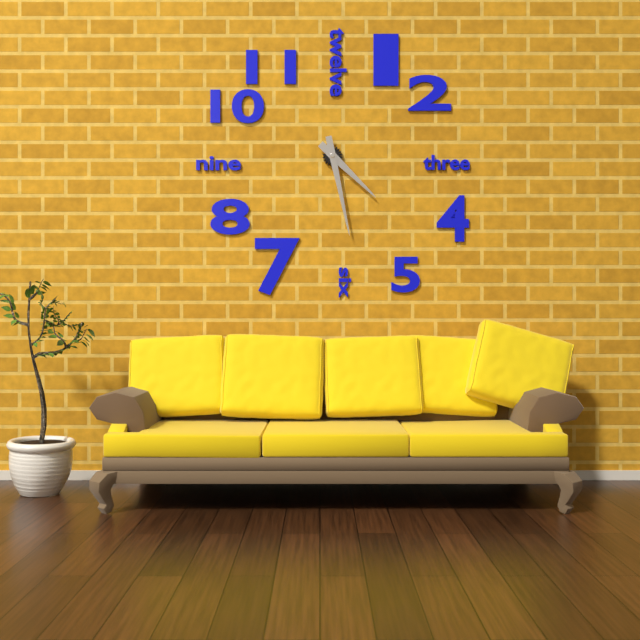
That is 4:28
